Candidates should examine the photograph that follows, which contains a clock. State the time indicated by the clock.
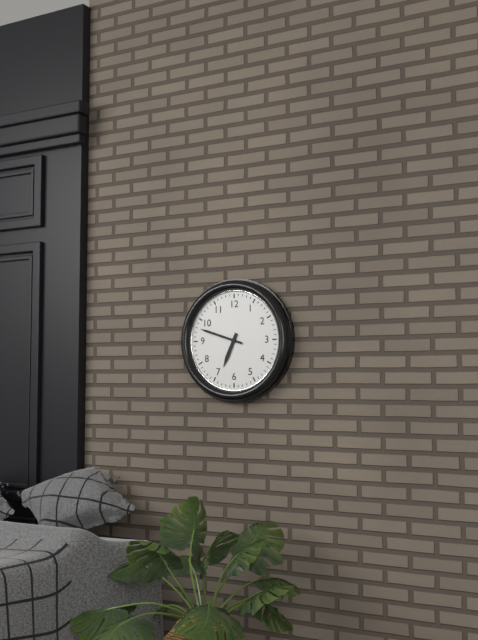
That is 6:48
